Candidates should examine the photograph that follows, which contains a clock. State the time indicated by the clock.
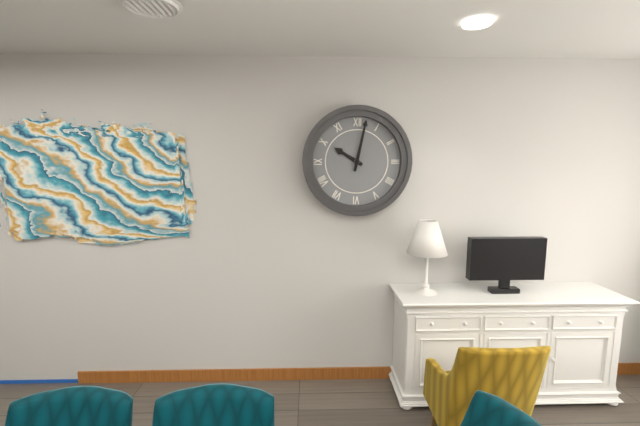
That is 10:02
